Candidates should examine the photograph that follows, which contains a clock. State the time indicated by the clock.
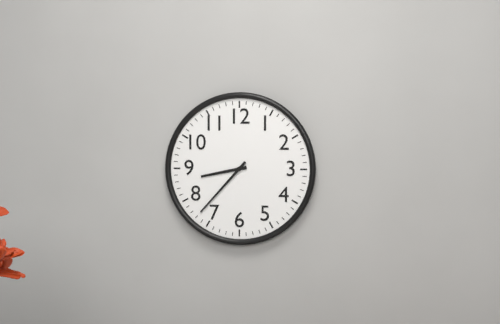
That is 8:37
